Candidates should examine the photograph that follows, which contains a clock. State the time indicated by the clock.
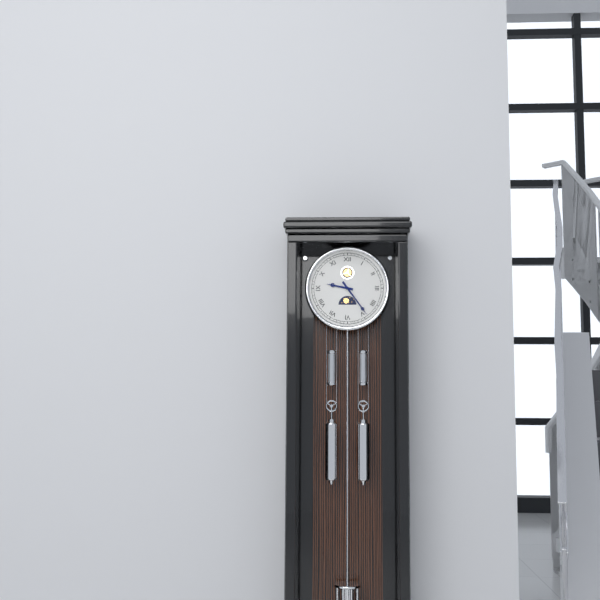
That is 9:24
